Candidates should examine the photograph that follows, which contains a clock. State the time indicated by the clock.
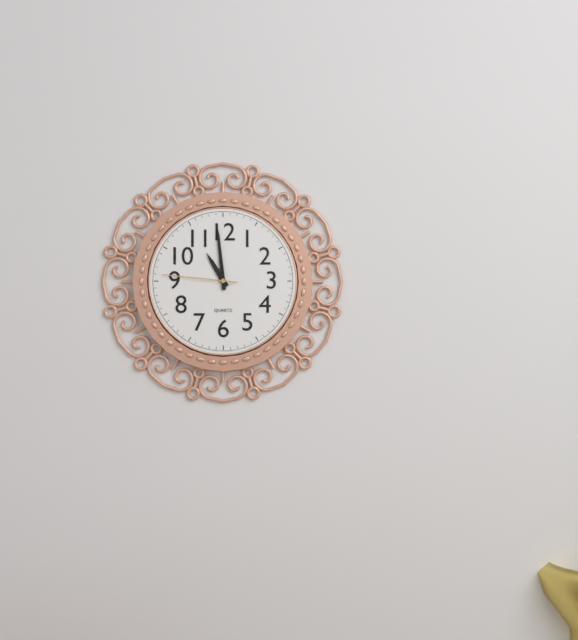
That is 10:59:46
